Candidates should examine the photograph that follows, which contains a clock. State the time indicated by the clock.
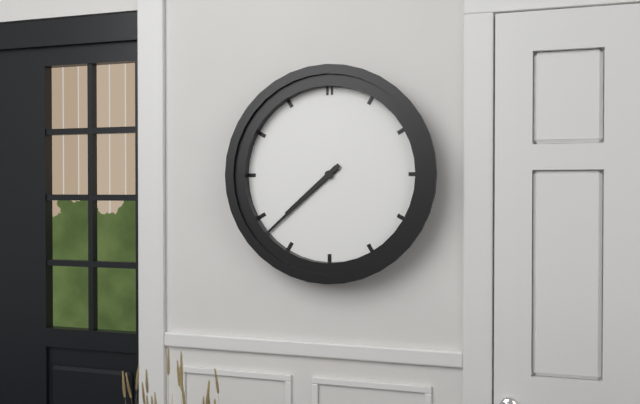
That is 7:38
